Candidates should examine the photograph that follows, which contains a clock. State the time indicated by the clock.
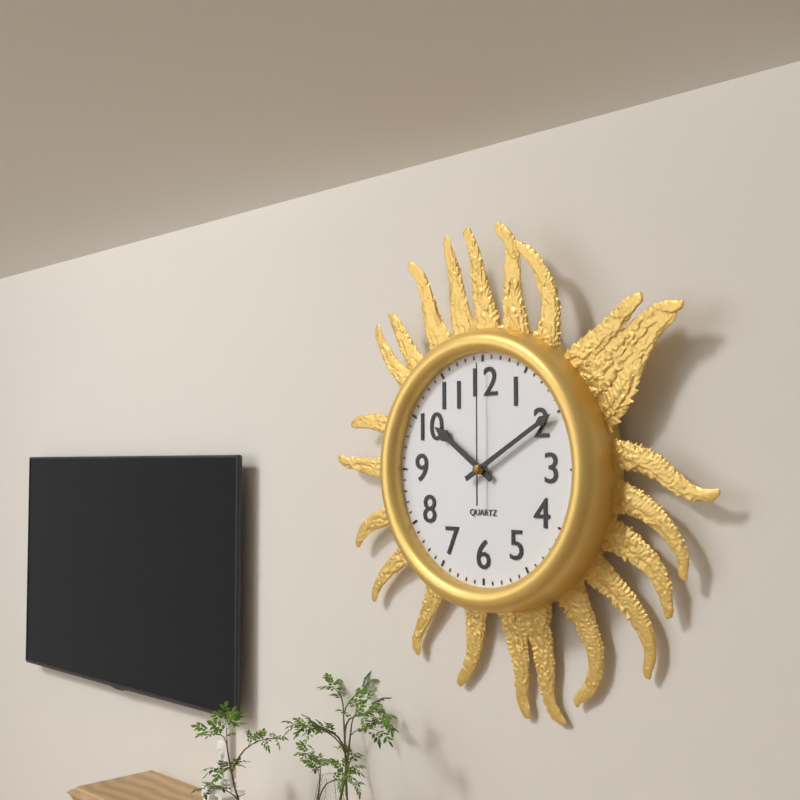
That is 10:10:00
